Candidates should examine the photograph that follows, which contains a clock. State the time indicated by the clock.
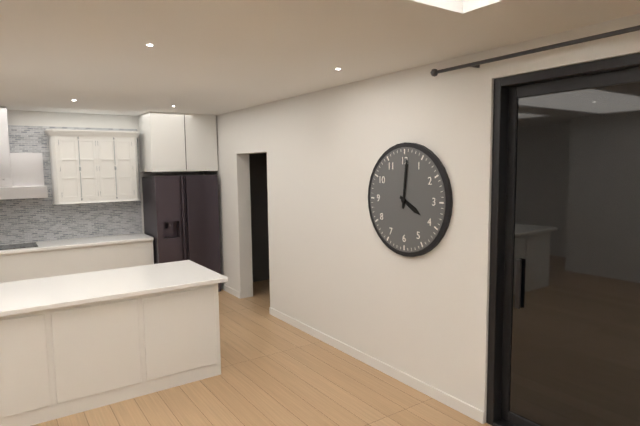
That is 4:01
